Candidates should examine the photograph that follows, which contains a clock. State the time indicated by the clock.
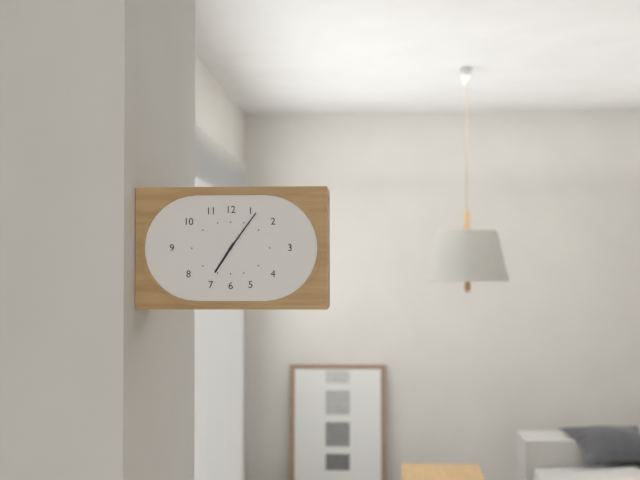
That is 7:06
